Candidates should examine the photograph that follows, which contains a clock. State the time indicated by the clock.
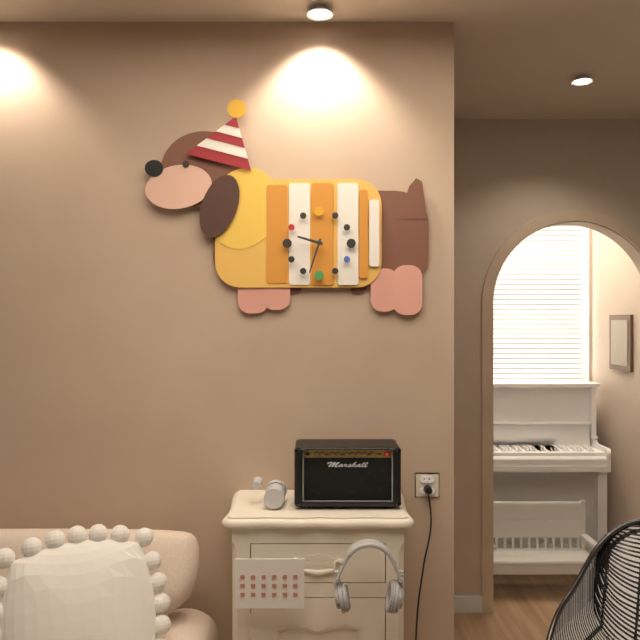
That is 9:33
